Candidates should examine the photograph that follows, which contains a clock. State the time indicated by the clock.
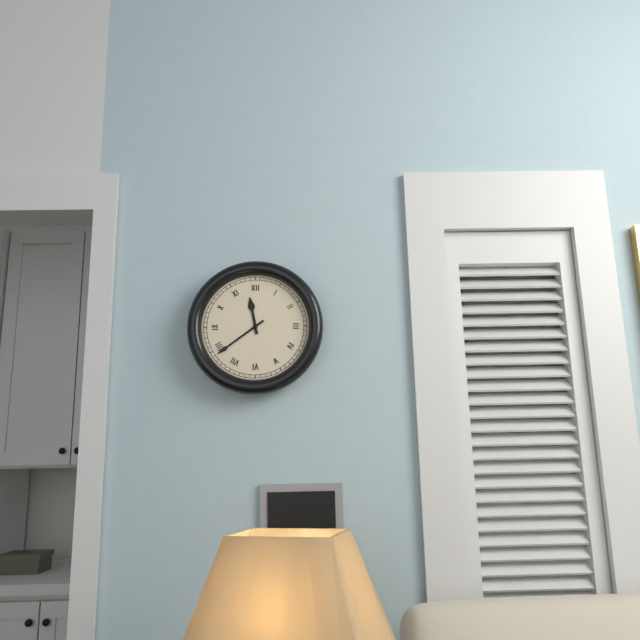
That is 11:39
